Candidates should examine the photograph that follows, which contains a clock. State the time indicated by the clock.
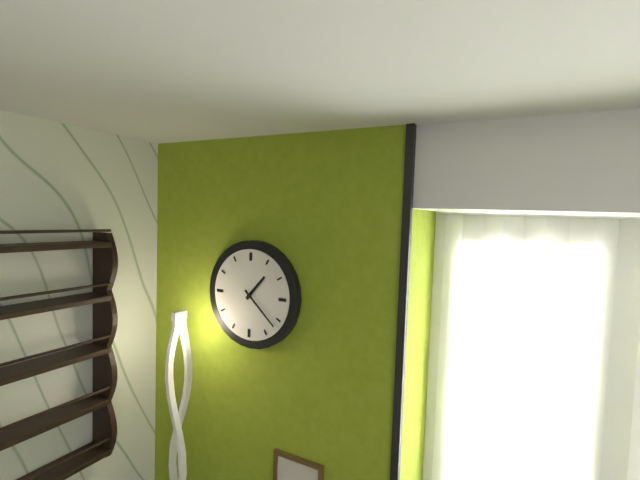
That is 1:22
